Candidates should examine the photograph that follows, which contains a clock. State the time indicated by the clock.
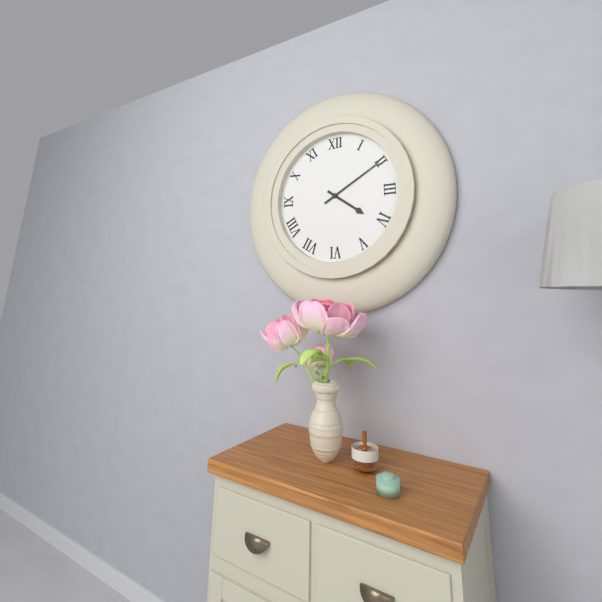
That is 4:10
